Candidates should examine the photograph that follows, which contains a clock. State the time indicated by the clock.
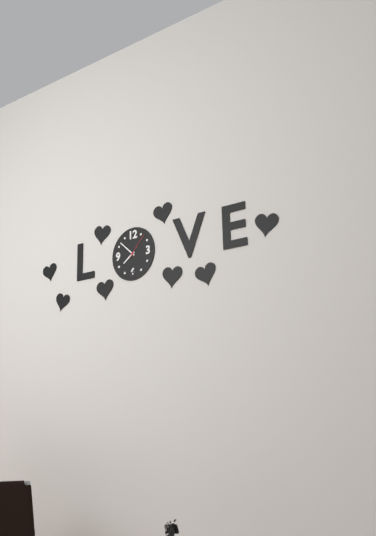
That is 7:52
